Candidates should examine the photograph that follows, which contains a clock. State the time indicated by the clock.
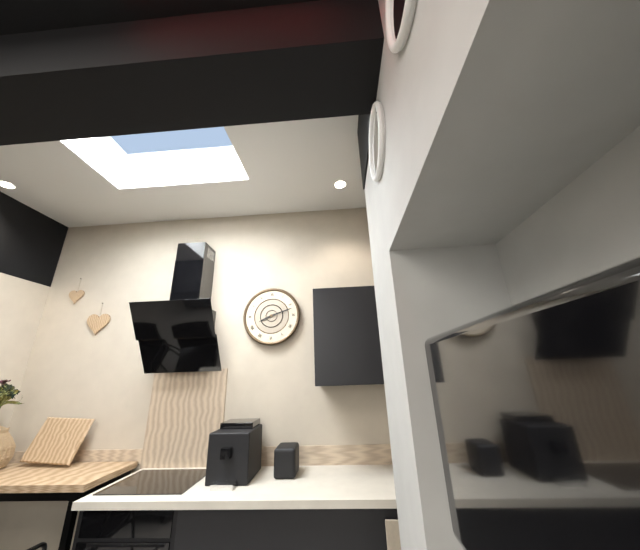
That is 8:12
